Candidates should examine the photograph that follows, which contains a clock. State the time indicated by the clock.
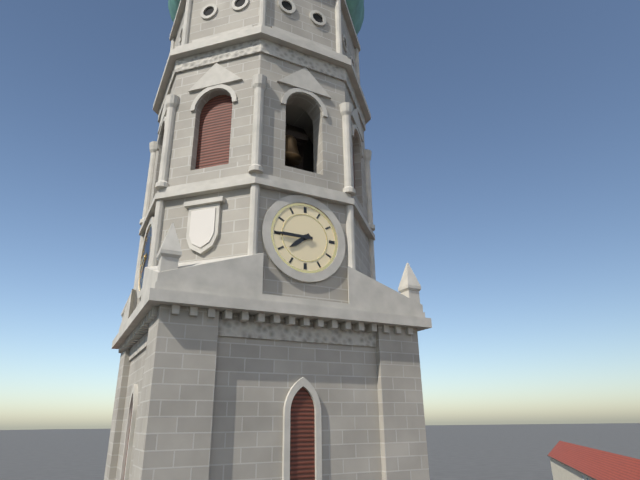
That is 7:45
